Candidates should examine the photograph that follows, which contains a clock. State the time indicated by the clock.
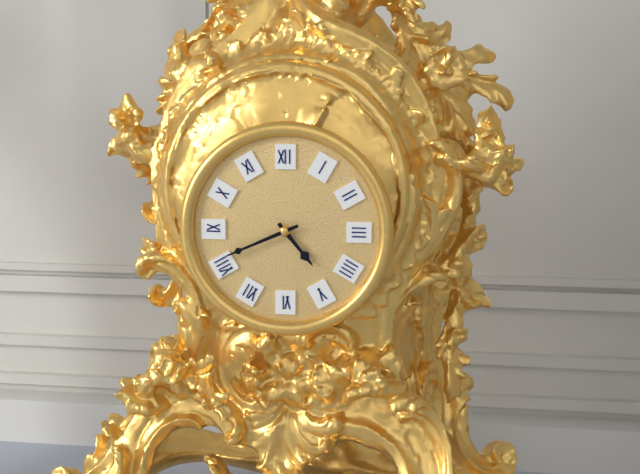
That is 4:41
